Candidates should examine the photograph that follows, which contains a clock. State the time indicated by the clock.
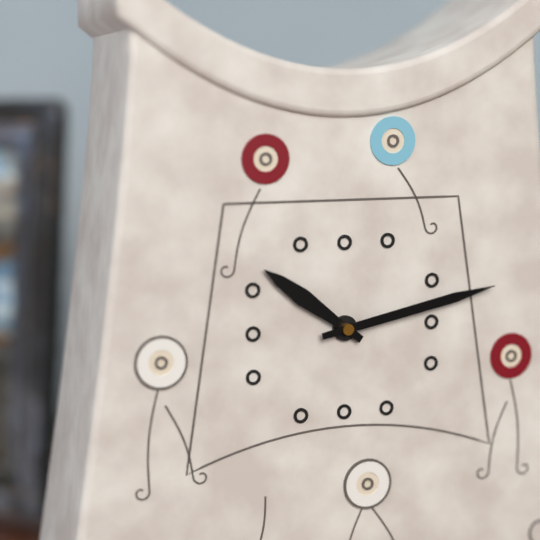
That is 10:13
